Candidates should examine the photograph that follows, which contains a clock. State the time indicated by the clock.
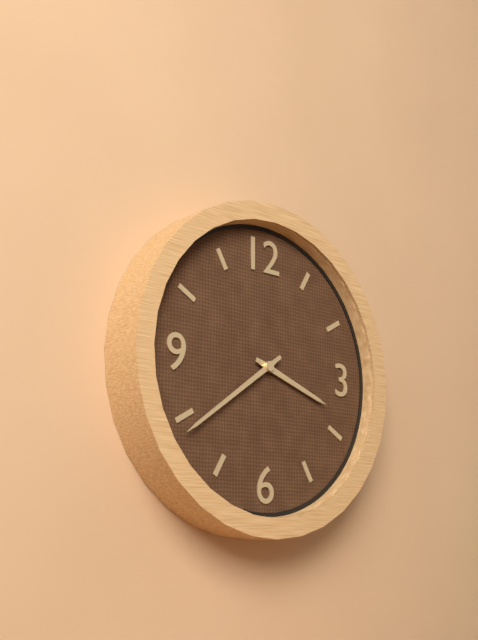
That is 3:39
